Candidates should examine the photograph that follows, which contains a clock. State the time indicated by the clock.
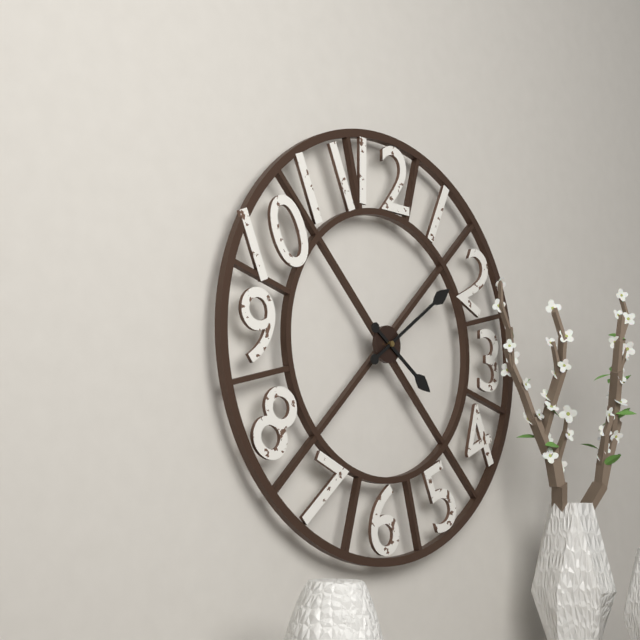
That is 4:09
